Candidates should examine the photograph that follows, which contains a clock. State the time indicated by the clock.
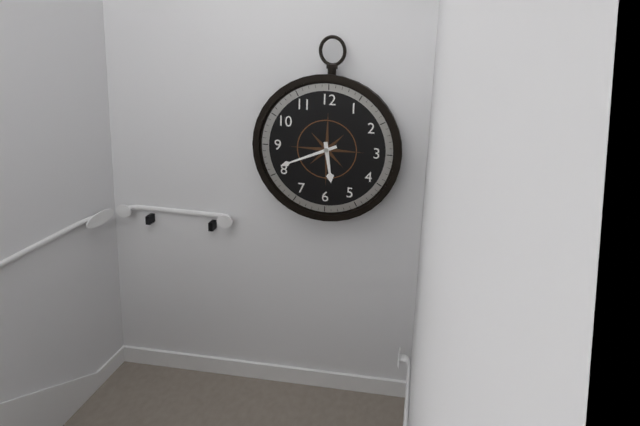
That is 5:41
